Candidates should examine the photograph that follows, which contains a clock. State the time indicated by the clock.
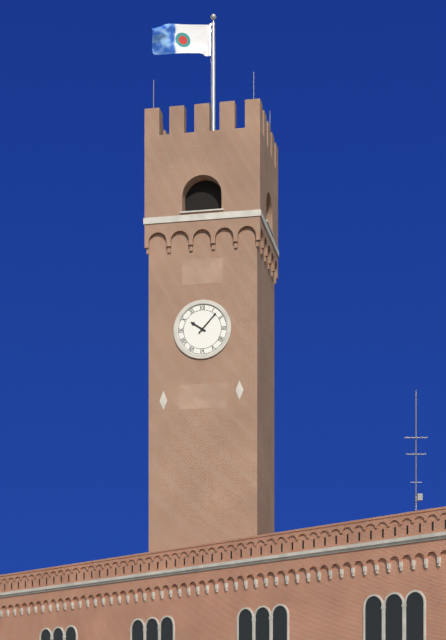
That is 10:07
